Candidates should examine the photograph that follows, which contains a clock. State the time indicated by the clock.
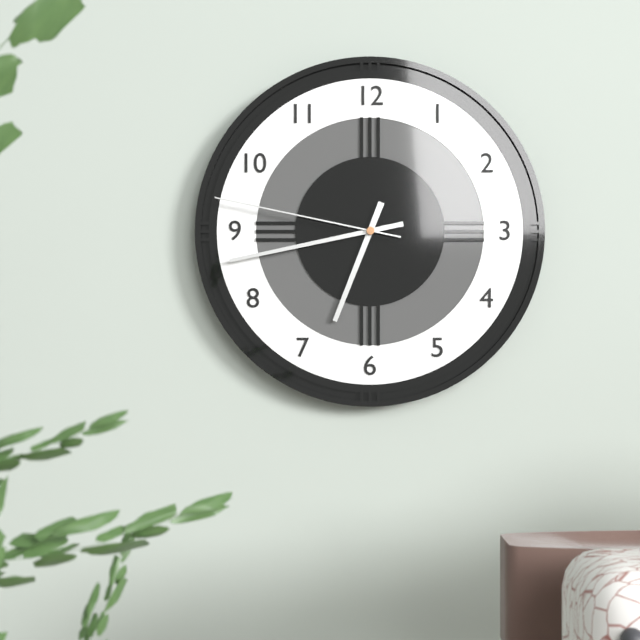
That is 6:43:47
